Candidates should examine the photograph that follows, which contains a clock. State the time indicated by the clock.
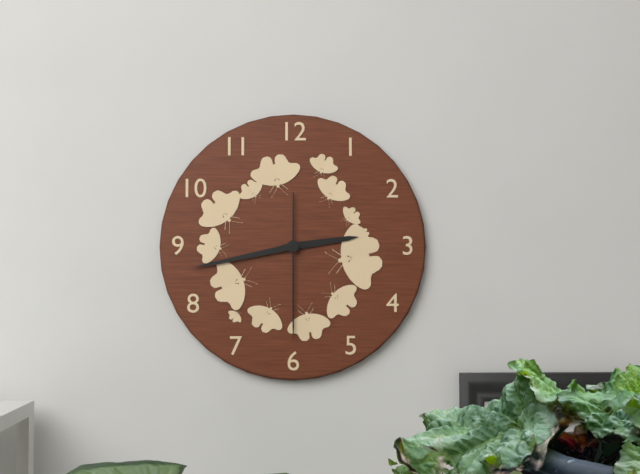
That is 2:43:30
